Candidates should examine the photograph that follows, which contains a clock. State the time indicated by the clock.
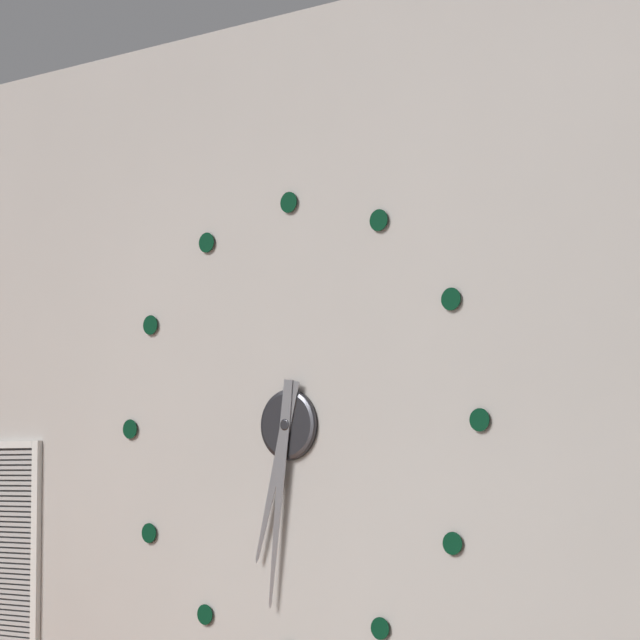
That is 6:31
